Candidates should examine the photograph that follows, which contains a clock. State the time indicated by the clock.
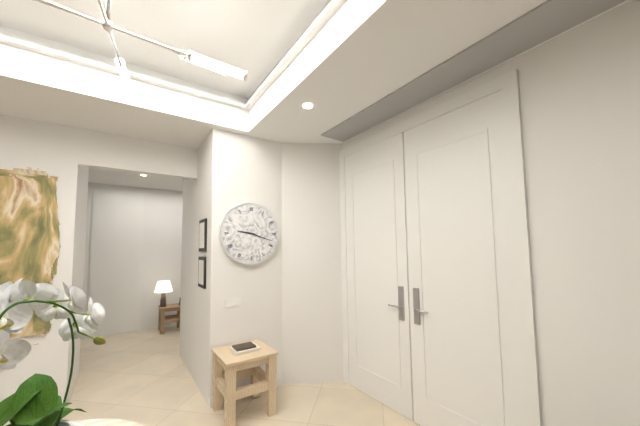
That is 9:18
